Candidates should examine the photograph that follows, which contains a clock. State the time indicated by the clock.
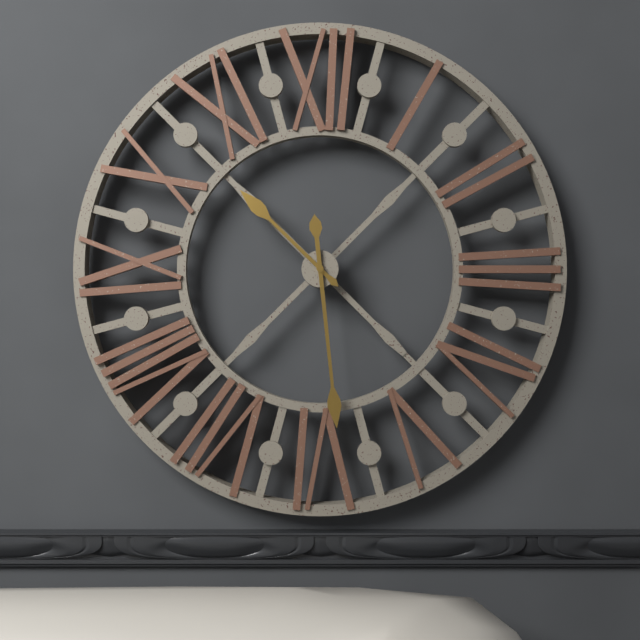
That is 10:29
